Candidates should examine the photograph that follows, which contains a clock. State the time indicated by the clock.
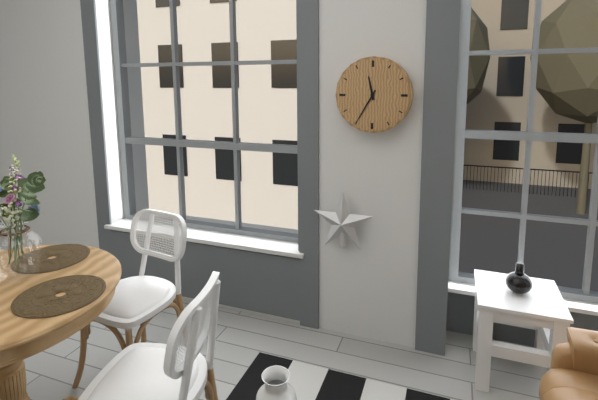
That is 11:35
